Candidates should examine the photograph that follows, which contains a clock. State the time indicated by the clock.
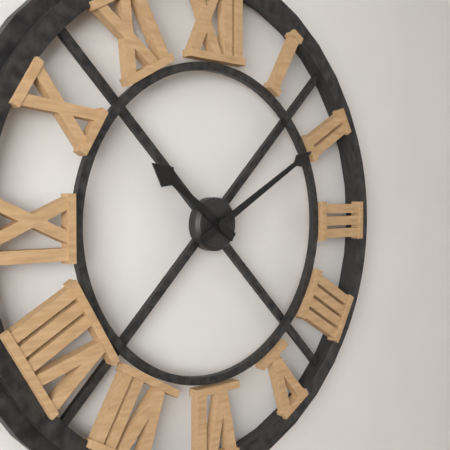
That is 10:10
